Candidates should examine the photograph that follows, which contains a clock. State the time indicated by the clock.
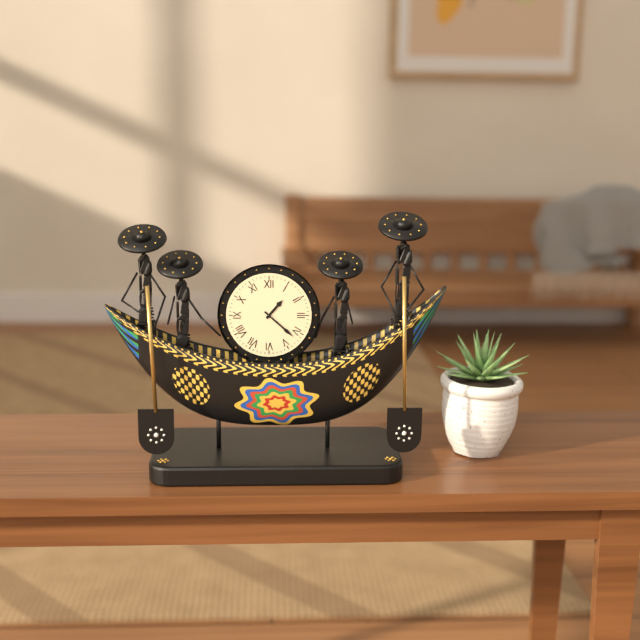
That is 1:22
